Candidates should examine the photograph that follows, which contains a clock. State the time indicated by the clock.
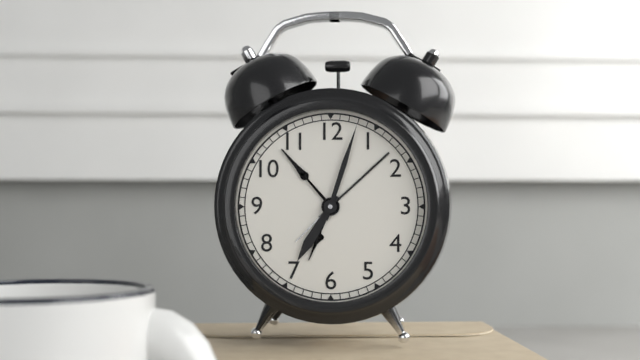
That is 7:03
